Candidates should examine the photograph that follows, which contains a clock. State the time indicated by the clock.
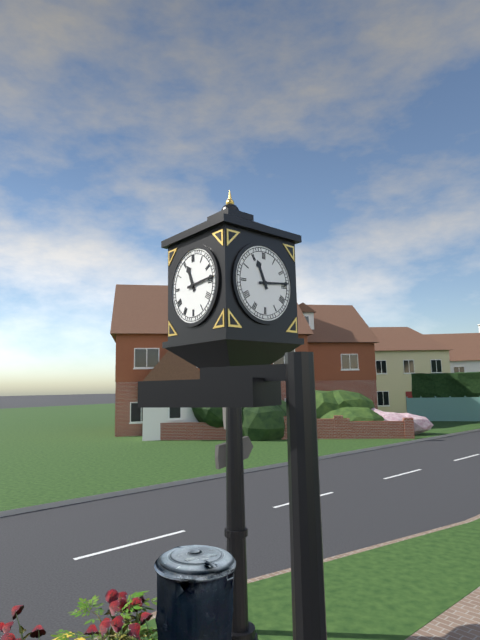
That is 11:14
